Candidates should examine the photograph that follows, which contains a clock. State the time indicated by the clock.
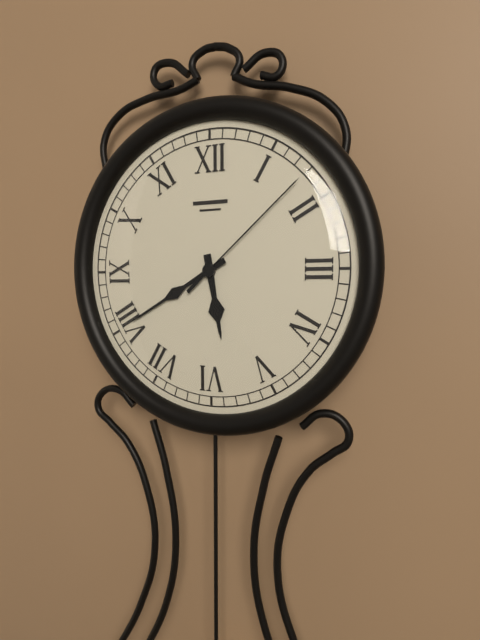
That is 5:40:08
